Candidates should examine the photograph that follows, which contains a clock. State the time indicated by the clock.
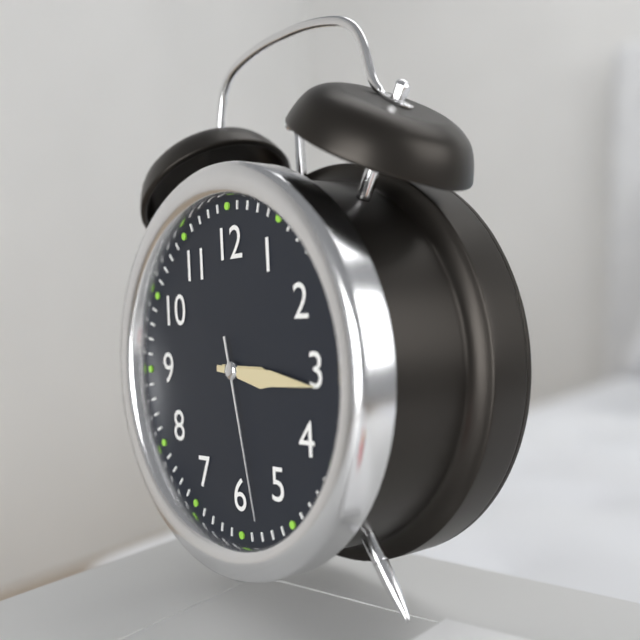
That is 3:16:28
